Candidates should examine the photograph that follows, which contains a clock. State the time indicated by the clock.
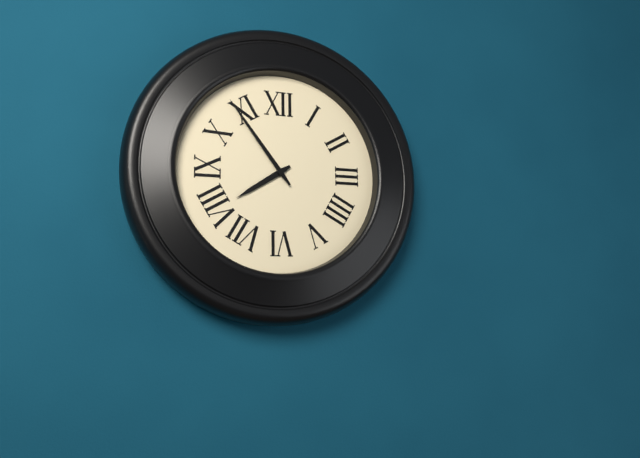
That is 7:54
